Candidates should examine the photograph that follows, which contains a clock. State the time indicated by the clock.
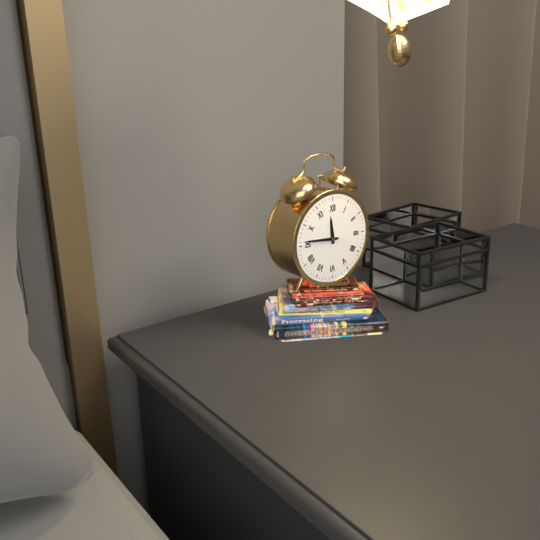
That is 11:46
